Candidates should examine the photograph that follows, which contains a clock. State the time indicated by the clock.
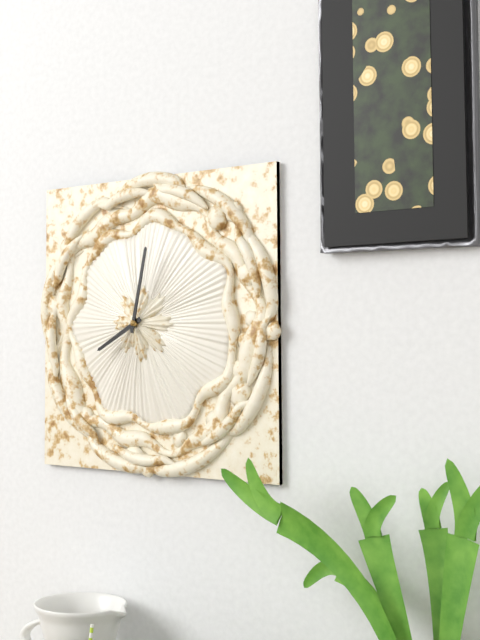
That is 8:02
